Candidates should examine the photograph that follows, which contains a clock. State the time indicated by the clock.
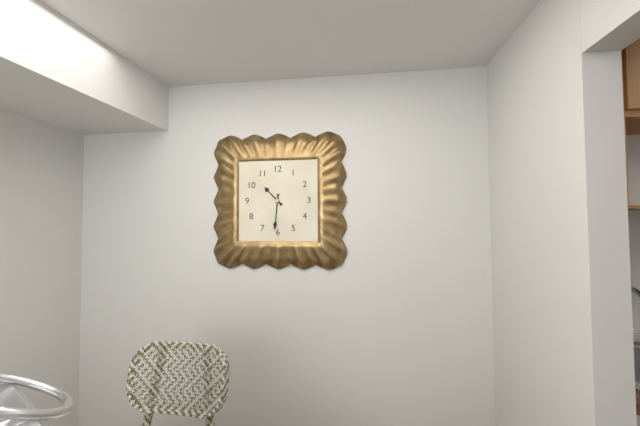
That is 10:31
